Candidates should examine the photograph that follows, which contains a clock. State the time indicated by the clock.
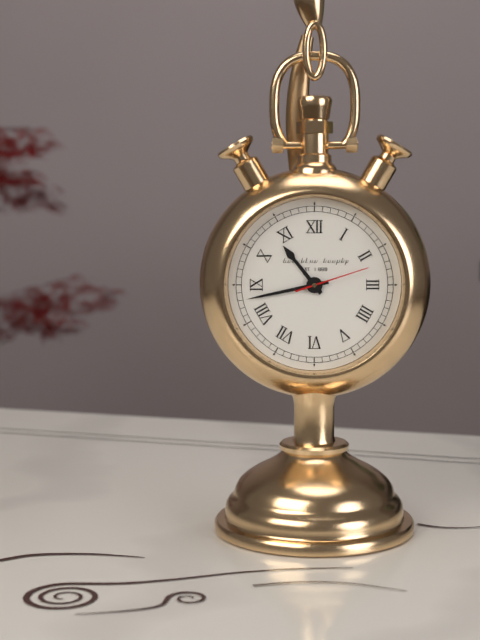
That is 10:43:12
